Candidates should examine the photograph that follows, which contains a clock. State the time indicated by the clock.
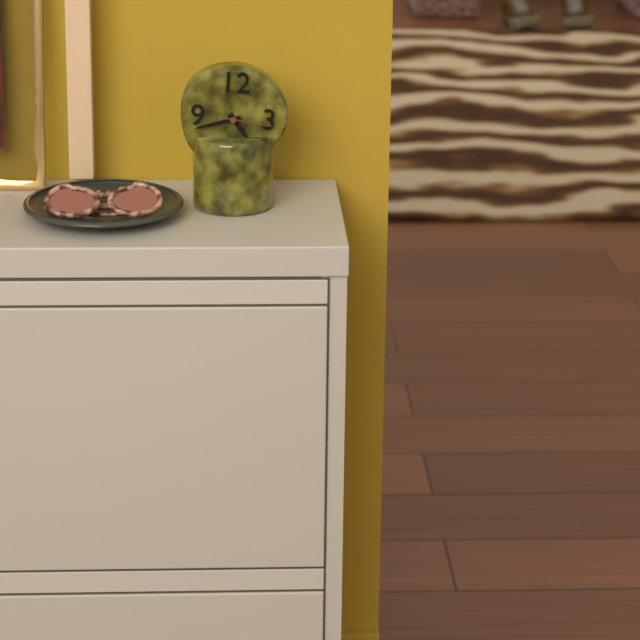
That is 4:42:16
